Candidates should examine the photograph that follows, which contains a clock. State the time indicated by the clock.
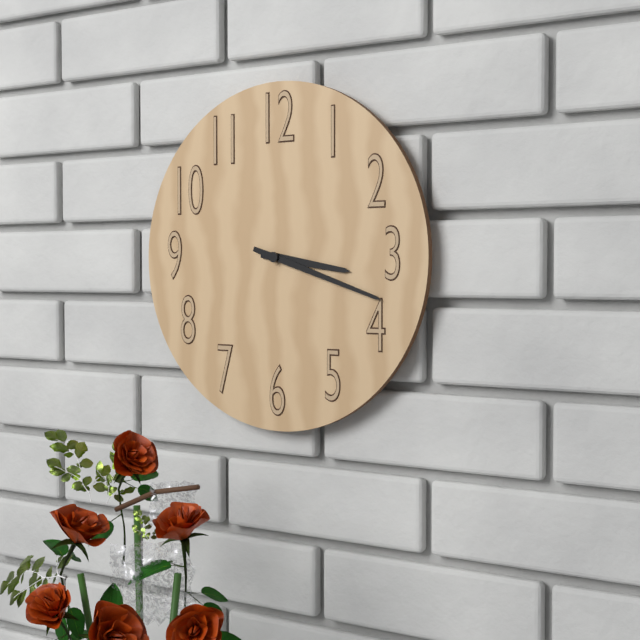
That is 3:18
